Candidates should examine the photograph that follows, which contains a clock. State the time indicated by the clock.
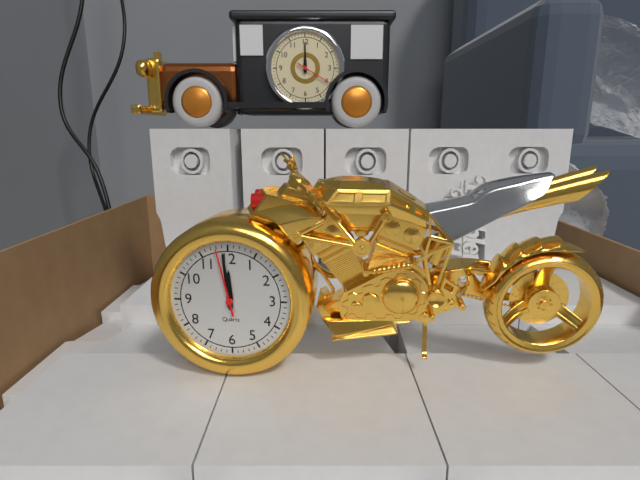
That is 11:59:58
